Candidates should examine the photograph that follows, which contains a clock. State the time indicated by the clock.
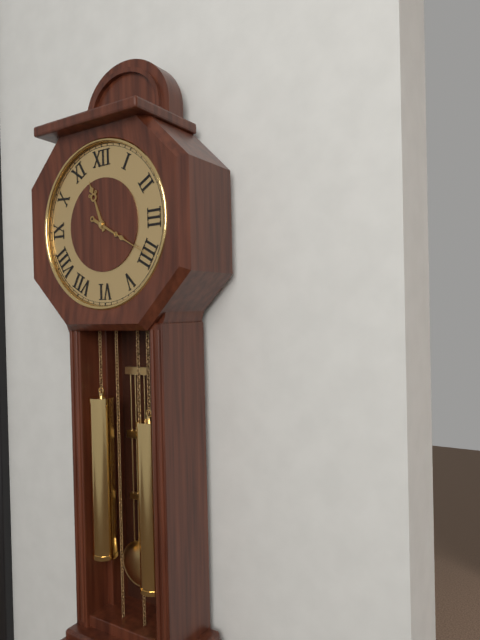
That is 11:20
